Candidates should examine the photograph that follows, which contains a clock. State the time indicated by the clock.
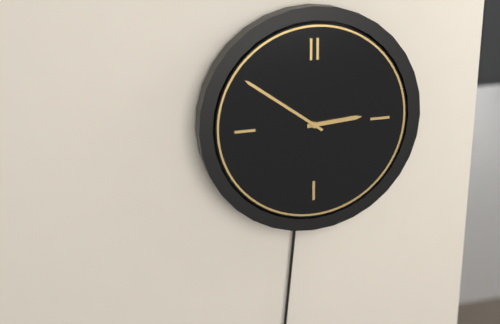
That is 2:51
